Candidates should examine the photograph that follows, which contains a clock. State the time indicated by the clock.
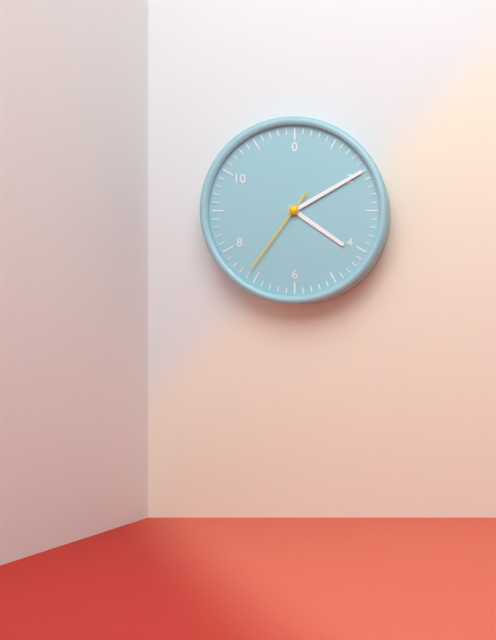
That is 4:10:36
